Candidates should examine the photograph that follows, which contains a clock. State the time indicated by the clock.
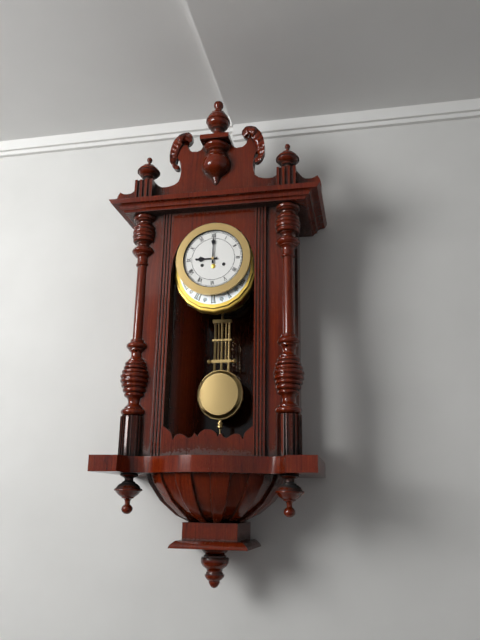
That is 9:00
